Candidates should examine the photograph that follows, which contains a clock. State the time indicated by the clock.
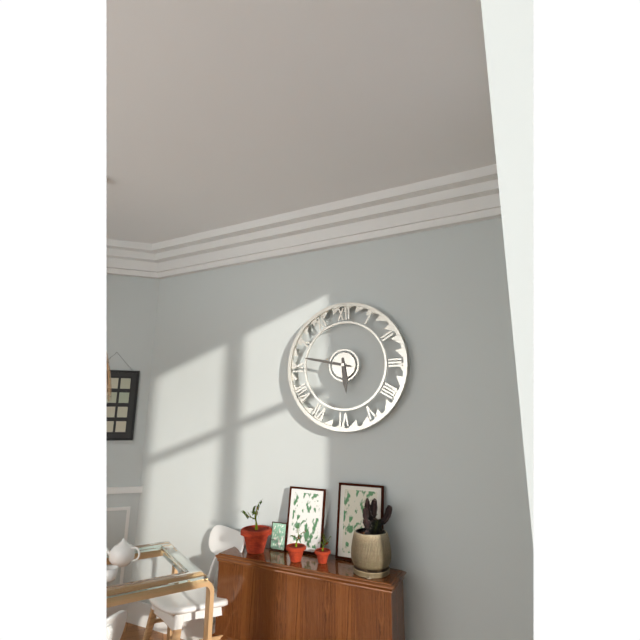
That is 5:47
